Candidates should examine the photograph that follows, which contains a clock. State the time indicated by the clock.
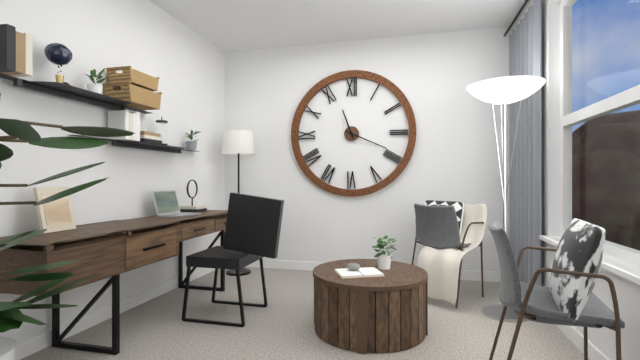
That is 11:19
